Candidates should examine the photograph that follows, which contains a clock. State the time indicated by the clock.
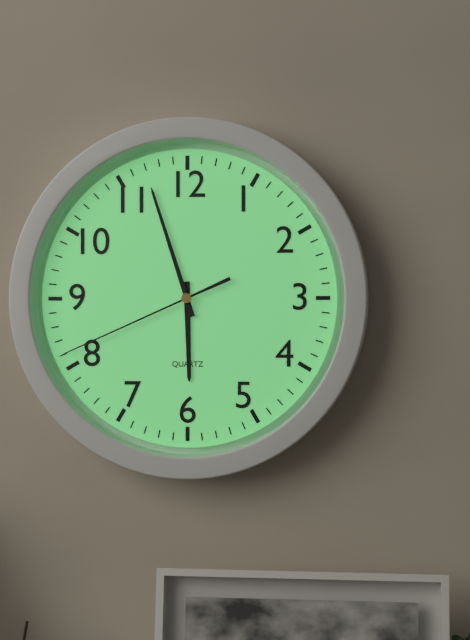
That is 5:57:41
